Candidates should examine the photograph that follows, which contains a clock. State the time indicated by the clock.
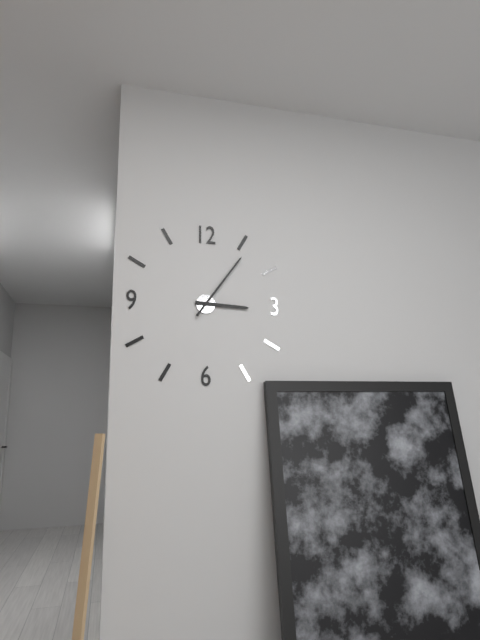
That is 3:06
